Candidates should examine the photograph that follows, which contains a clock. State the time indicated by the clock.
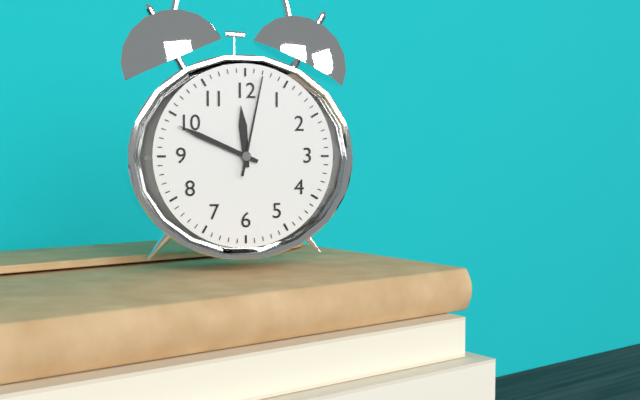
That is 11:49:02
